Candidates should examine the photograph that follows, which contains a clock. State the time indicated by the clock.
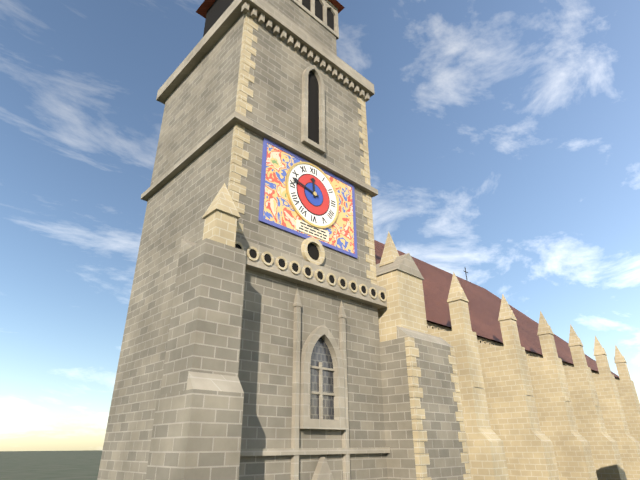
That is 11:47
